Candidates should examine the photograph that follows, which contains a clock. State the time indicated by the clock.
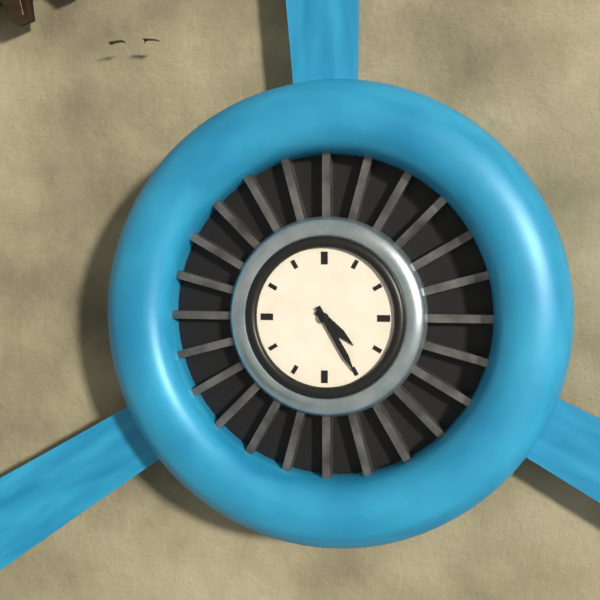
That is 4:25
